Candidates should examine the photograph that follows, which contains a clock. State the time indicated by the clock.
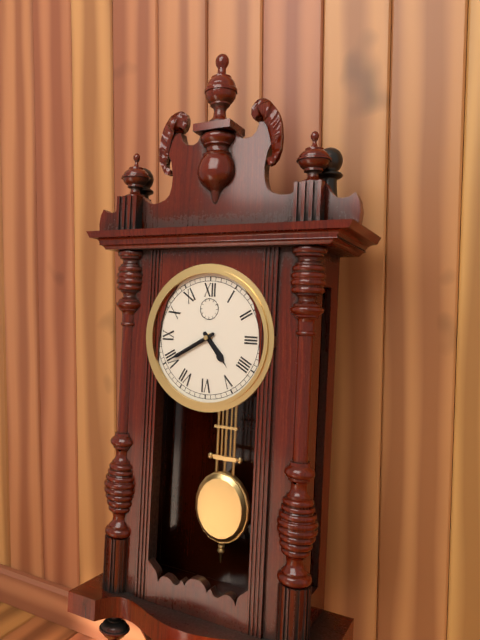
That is 4:40
